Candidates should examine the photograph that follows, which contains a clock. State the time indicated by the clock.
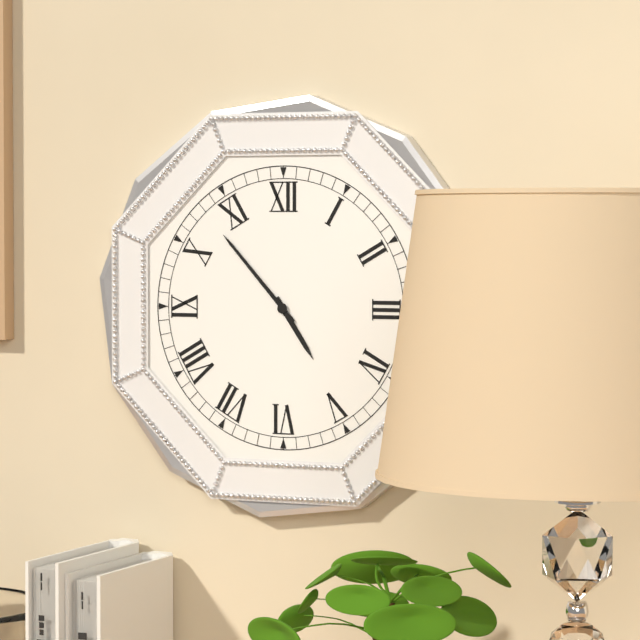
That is 4:53
